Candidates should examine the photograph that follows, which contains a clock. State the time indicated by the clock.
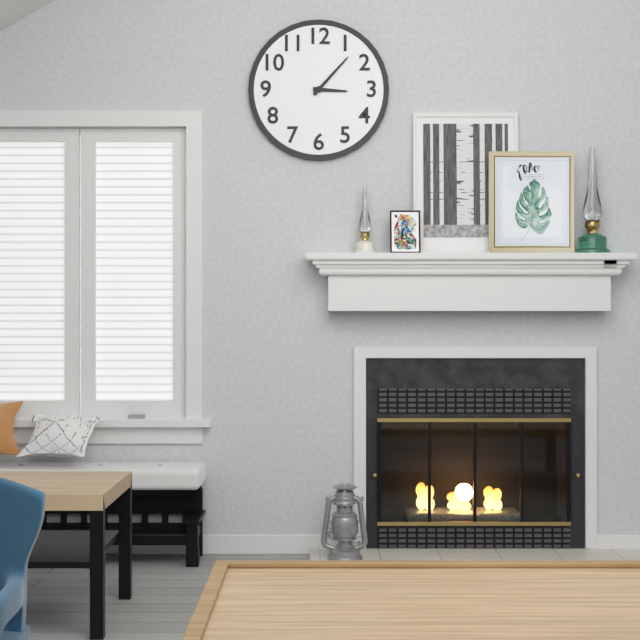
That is 3:07
